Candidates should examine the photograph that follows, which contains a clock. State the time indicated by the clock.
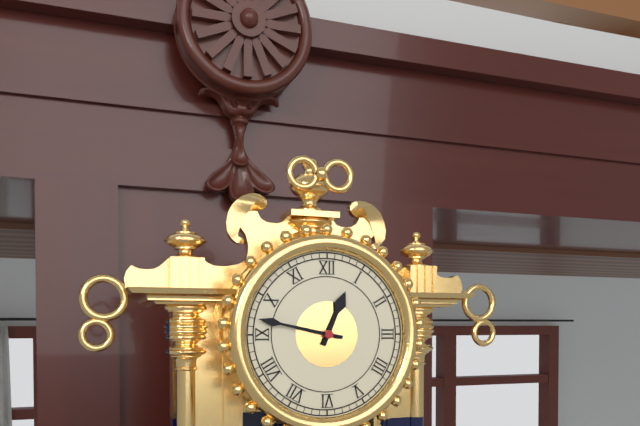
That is 12:47
